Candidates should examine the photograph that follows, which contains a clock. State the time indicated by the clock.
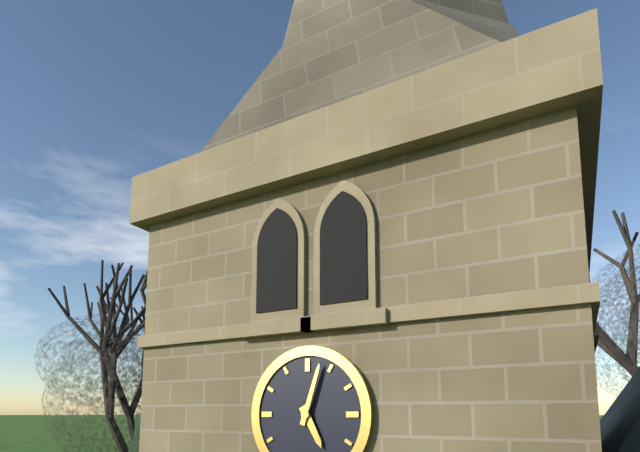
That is 5:03
